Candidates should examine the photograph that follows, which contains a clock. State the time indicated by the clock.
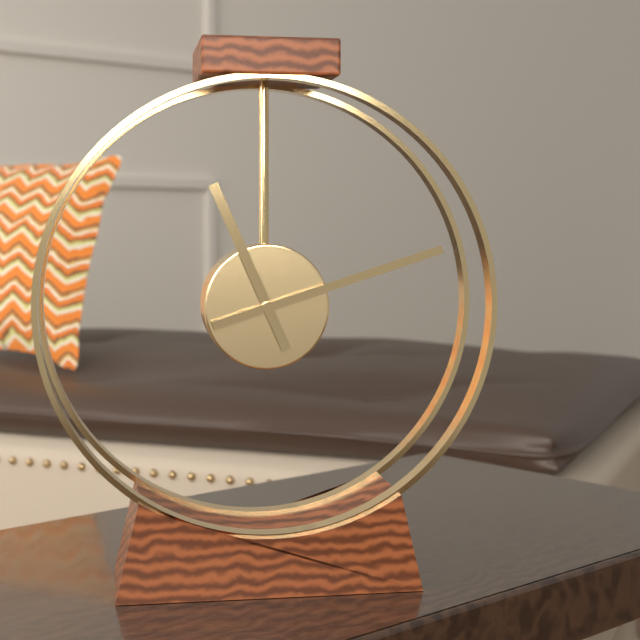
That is 11:12
